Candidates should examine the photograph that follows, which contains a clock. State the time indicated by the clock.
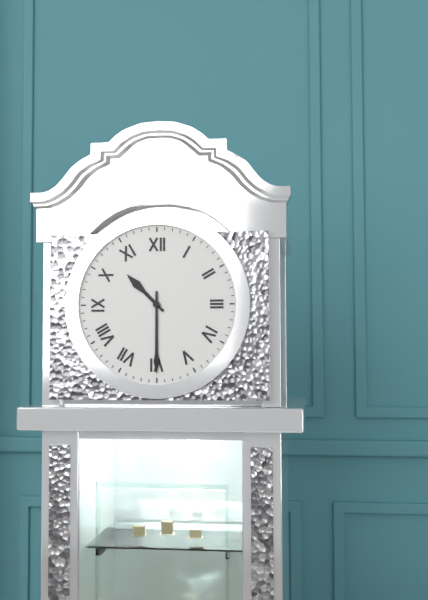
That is 10:30
